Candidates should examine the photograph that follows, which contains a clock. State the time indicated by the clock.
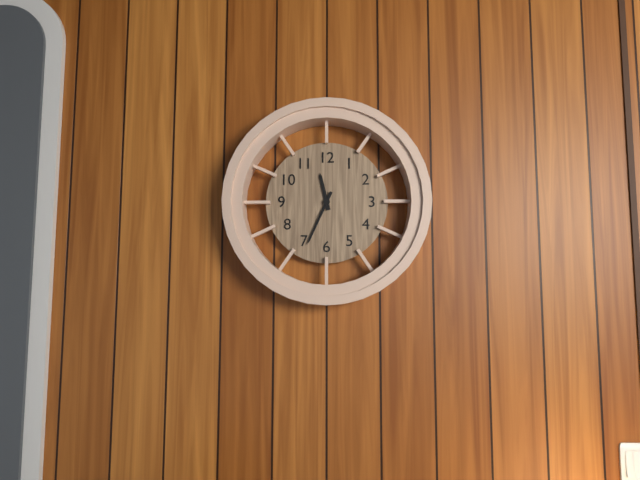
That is 11:34
